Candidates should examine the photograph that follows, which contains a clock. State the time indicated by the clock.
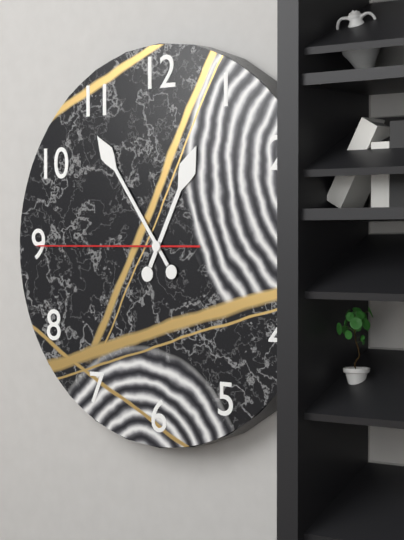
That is 12:54:45
